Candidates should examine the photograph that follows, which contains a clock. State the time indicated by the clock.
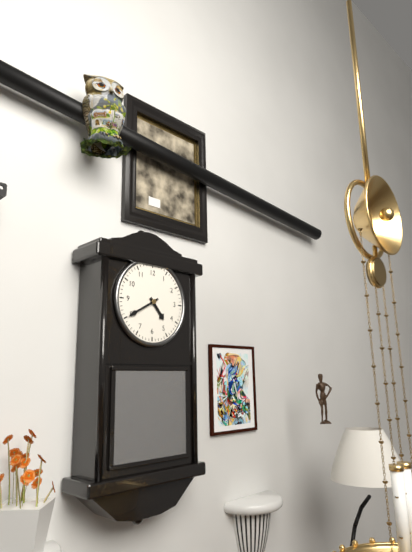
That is 4:40
